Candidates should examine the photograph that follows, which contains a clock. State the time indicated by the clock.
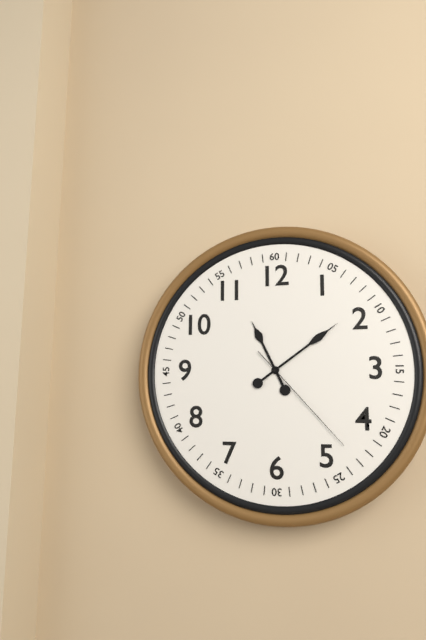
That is 11:09:23
